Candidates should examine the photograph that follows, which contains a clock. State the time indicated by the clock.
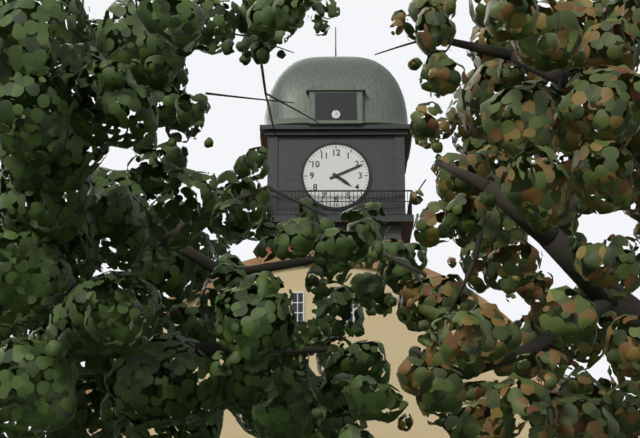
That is 4:11
